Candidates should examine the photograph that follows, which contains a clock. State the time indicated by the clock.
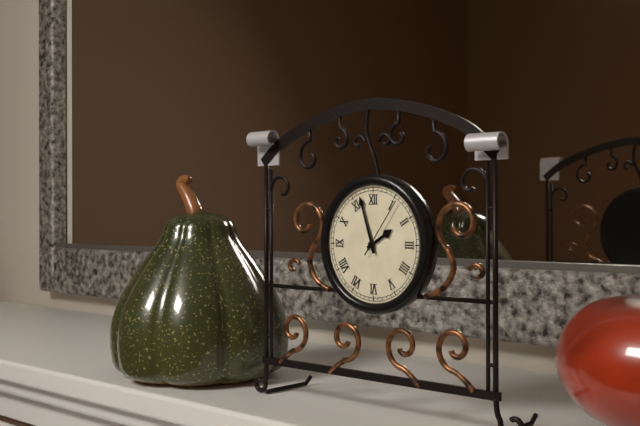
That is 1:57:06
